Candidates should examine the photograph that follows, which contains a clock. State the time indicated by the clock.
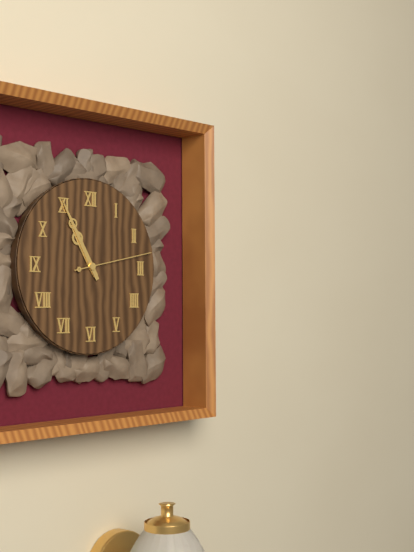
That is 10:55:13
